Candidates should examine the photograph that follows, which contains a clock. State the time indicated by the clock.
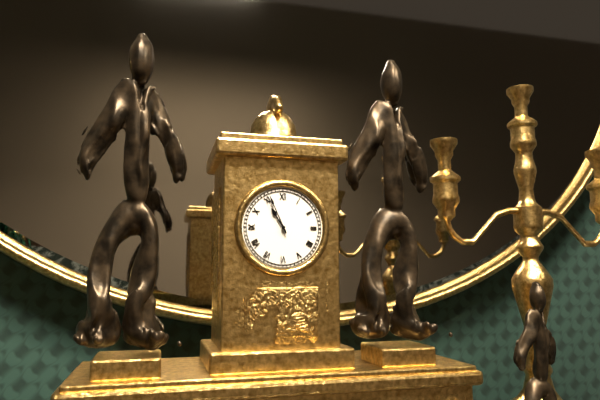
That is 10:56
